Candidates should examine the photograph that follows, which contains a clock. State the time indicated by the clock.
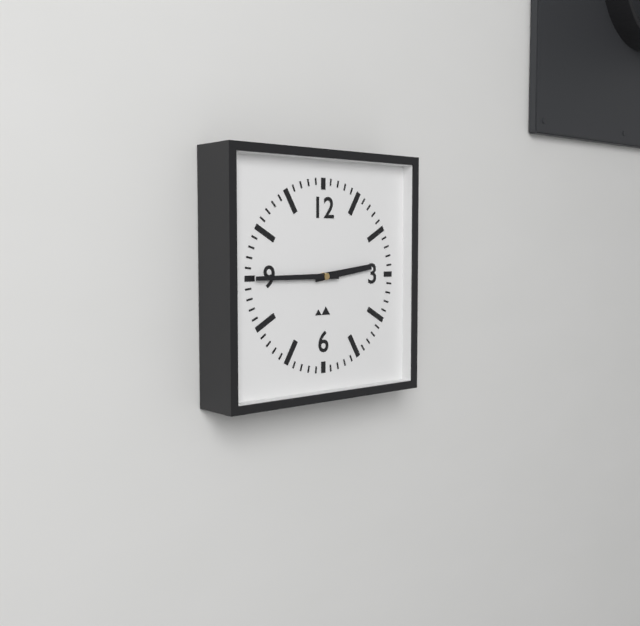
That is 2:45
